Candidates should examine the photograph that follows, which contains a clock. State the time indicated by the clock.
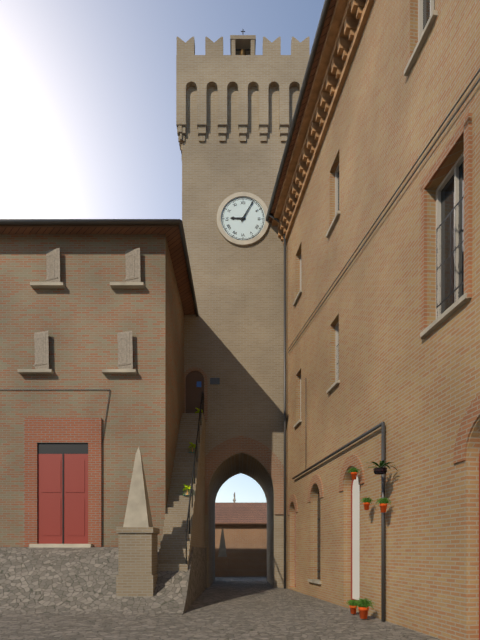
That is 9:05
